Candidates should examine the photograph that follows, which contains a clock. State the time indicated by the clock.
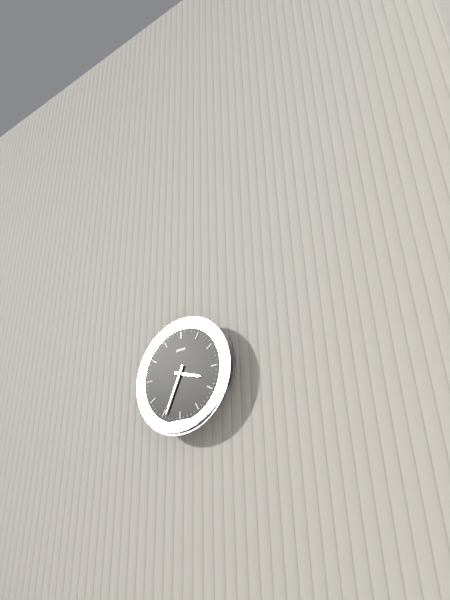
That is 3:34
